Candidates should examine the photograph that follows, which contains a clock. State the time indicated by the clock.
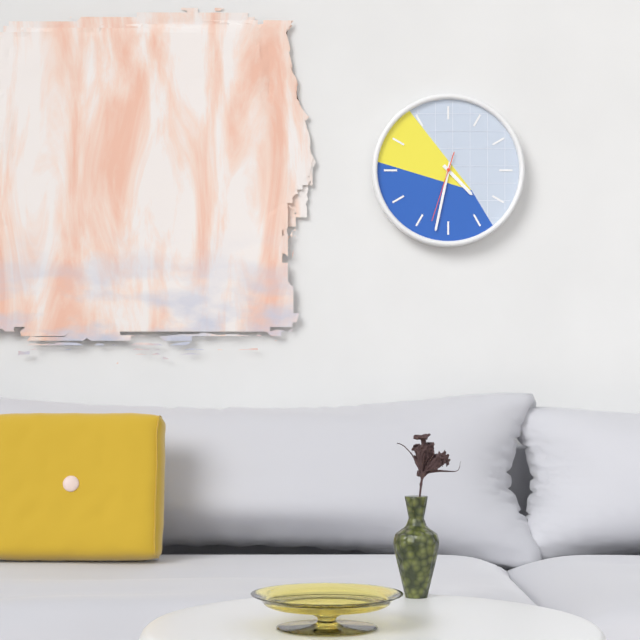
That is 4:32:33
